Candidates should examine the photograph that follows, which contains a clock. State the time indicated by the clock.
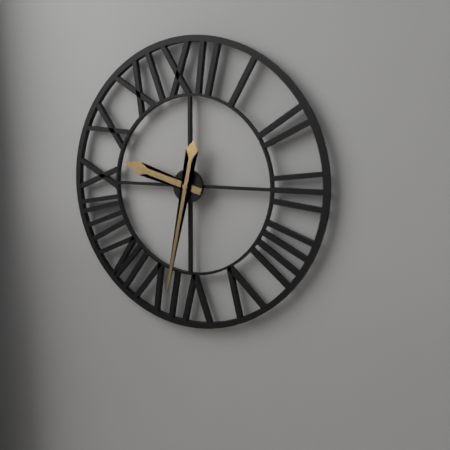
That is 9:32
